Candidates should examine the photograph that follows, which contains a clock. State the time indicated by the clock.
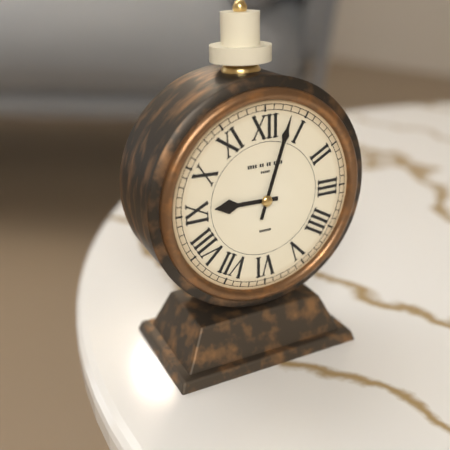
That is 9:03
